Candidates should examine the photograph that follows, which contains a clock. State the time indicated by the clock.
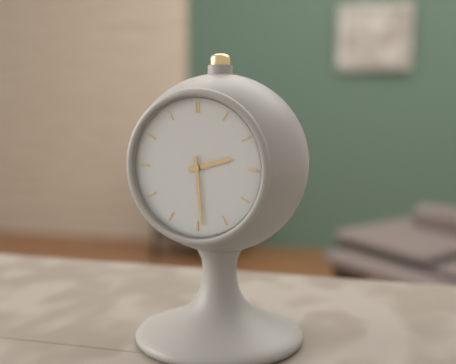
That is 2:29
